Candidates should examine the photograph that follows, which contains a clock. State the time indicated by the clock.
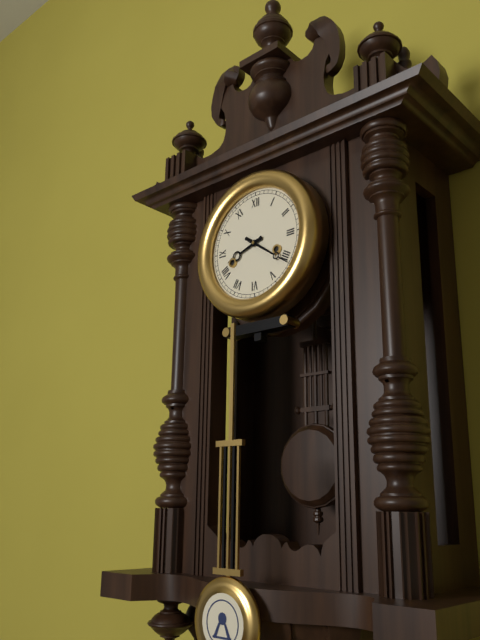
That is 8:21
